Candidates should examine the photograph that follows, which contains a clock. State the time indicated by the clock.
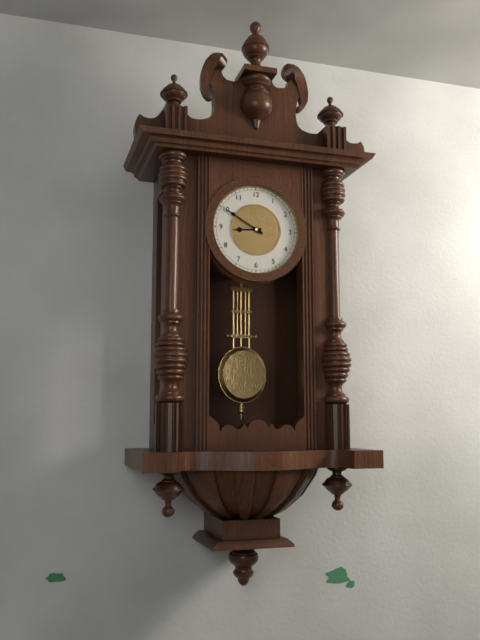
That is 8:50
